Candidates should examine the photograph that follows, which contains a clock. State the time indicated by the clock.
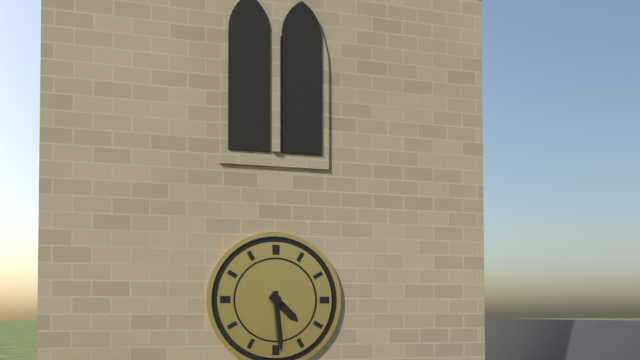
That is 4:29
